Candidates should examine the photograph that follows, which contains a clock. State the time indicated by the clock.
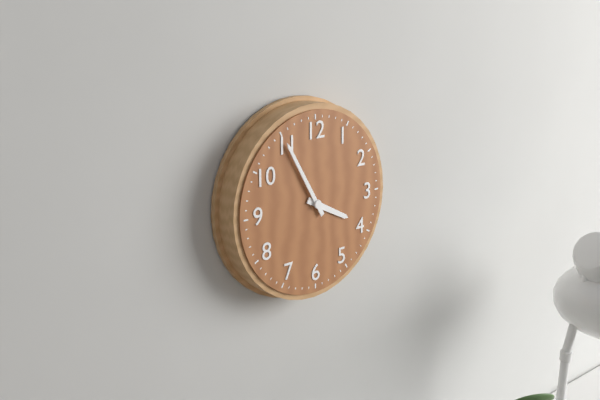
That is 3:55
